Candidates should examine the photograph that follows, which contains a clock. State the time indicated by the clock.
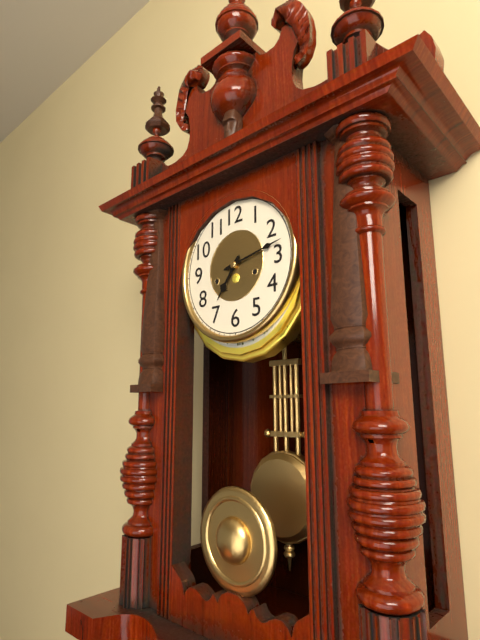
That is 7:13
